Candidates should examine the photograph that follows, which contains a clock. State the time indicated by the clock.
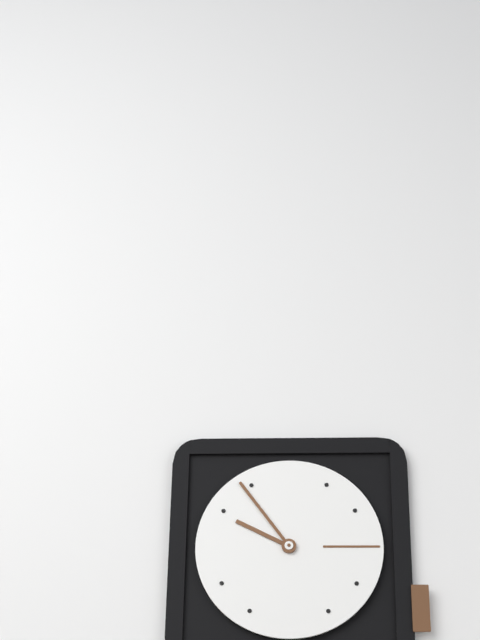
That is 9:54
